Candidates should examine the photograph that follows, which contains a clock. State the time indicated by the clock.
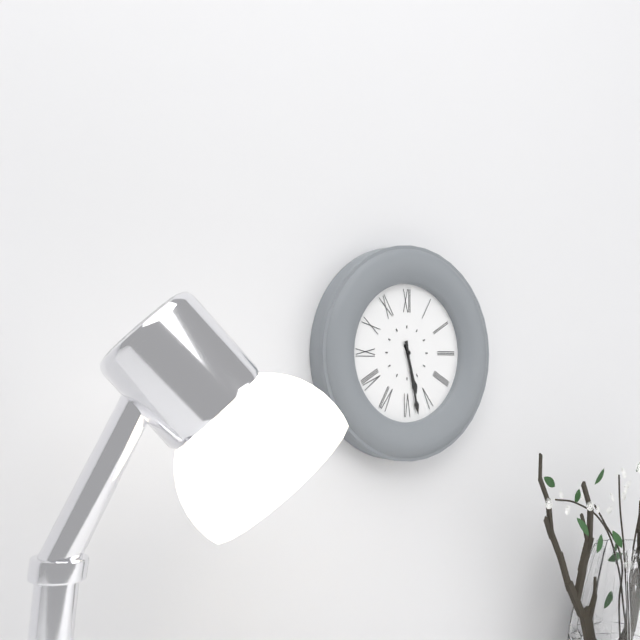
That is 5:28
